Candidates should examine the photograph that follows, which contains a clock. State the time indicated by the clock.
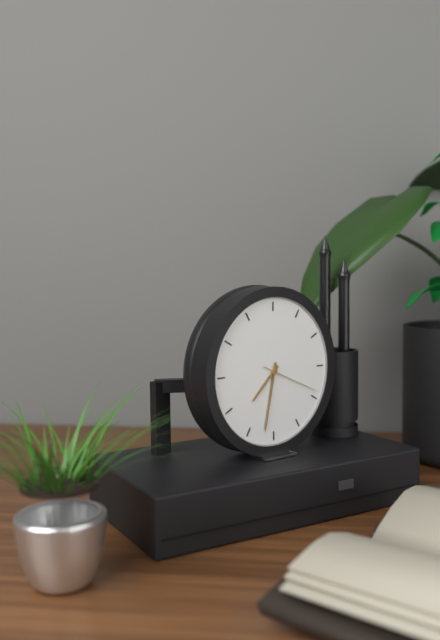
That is 7:32:19
